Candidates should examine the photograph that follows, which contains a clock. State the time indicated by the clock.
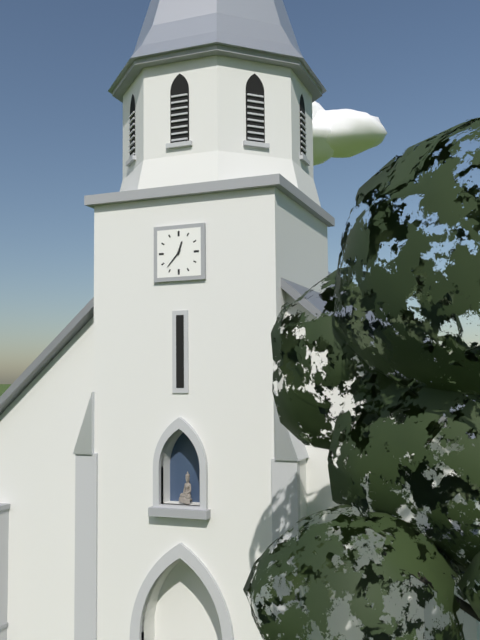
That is 12:37
